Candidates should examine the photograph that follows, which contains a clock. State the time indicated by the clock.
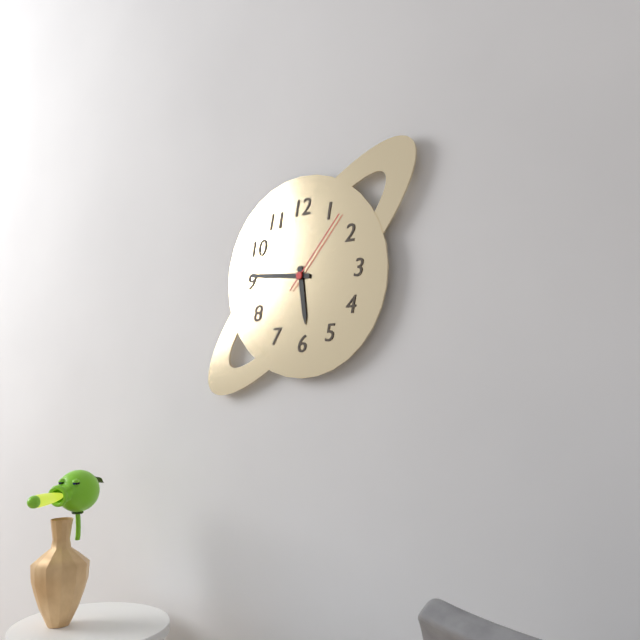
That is 5:46:07
